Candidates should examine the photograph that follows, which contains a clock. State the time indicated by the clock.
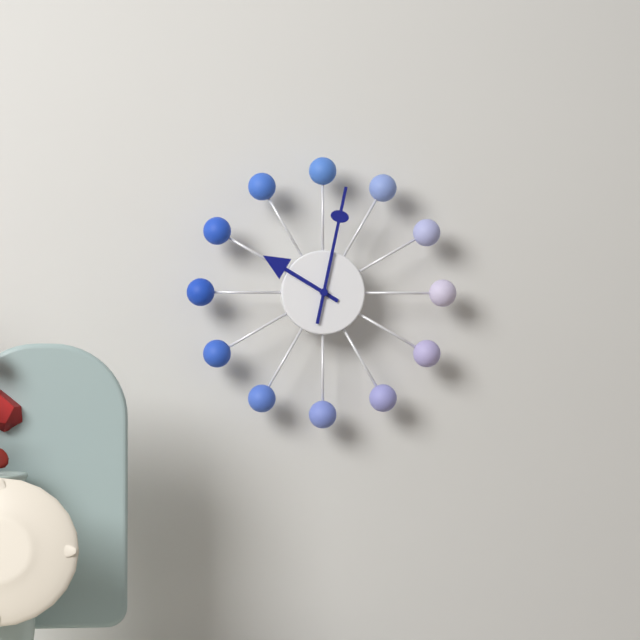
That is 10:02
